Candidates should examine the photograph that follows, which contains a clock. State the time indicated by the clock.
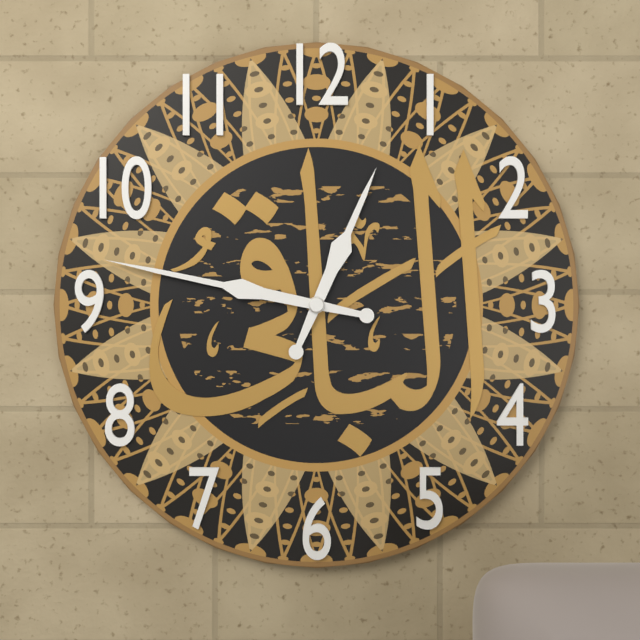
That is 12:47
